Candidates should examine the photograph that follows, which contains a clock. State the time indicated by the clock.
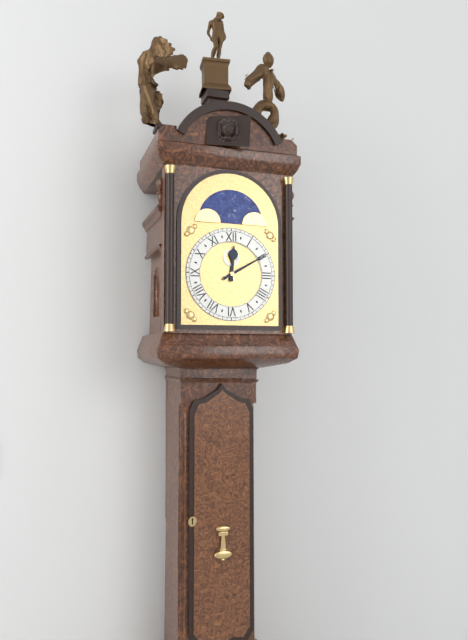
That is 12:10
